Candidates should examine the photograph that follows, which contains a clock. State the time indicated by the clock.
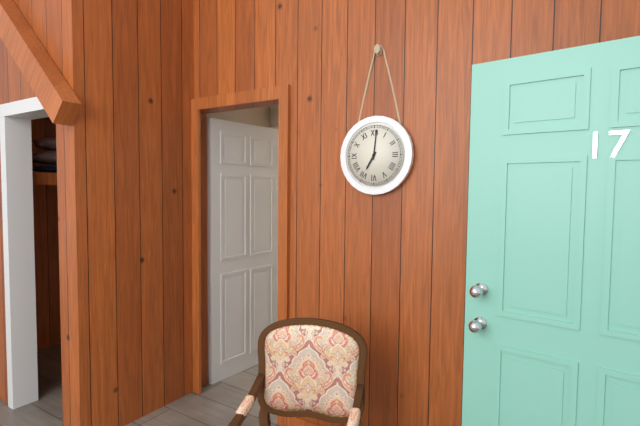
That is 7:01
